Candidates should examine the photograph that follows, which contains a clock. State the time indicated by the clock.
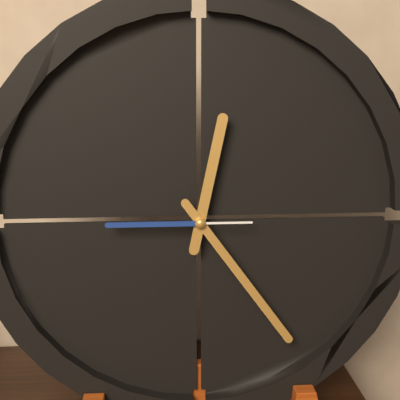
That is 12:24:45
